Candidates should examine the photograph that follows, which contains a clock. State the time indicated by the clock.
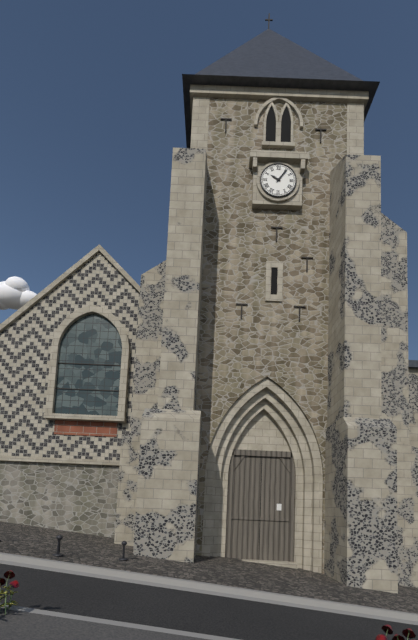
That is 10:06
